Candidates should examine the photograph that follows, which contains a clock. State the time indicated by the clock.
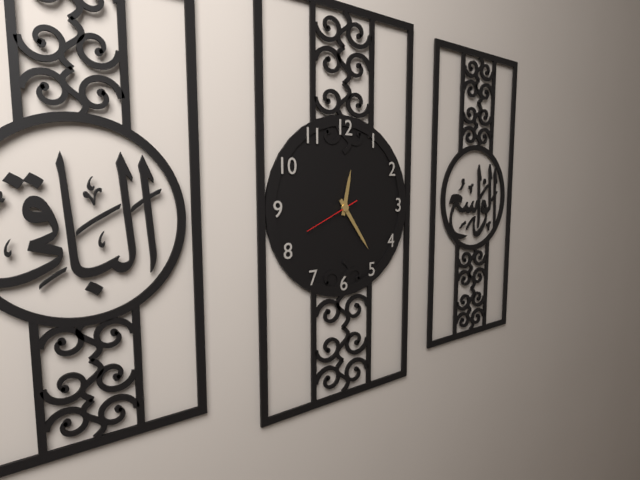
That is 12:24:41
